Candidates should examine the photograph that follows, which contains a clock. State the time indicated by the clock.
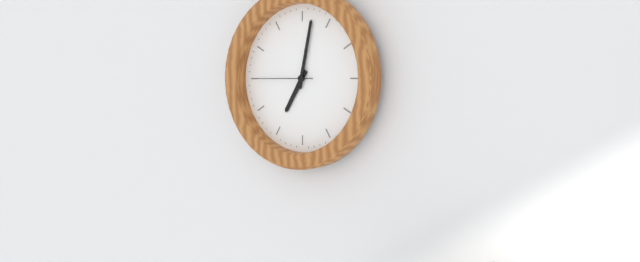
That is 7:02:45
